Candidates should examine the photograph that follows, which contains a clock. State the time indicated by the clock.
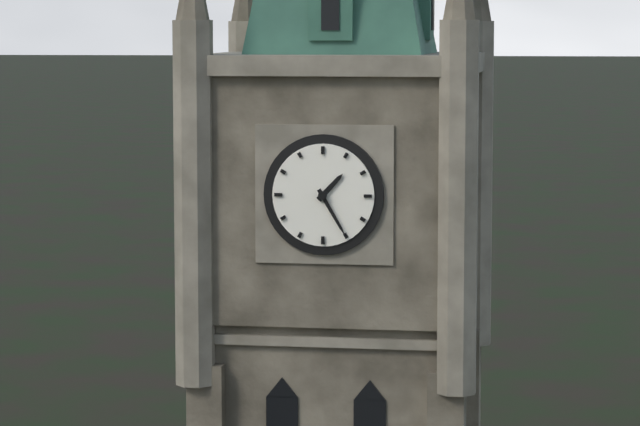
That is 1:25
